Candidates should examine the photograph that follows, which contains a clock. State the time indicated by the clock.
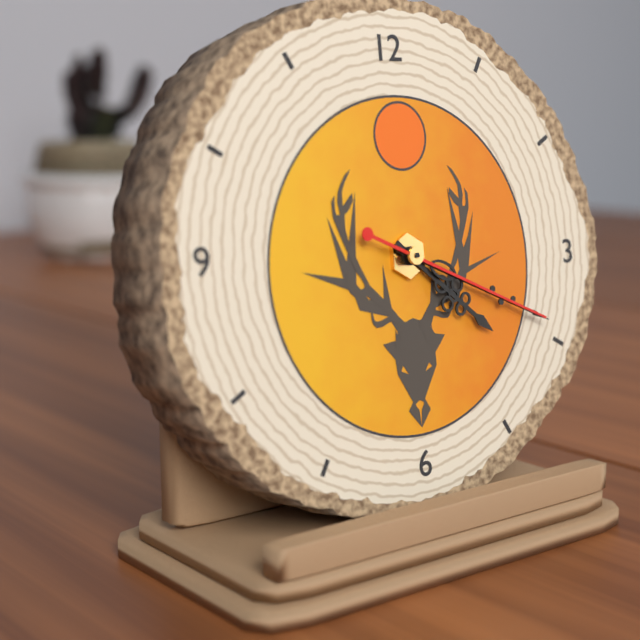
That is 4:19:19
